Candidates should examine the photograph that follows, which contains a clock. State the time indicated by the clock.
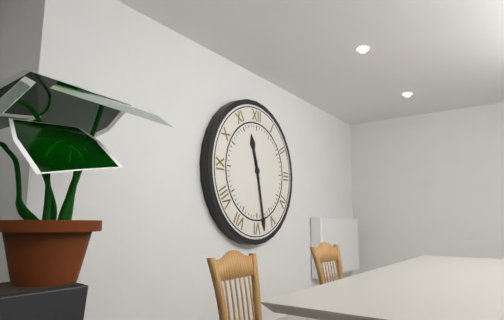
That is 11:28
